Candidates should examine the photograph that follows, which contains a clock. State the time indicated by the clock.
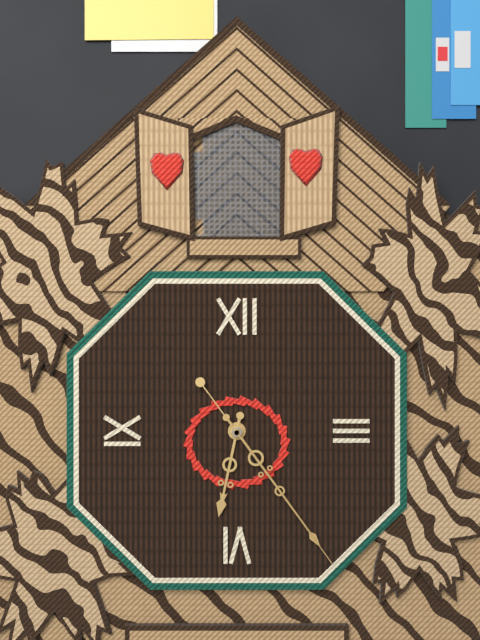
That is 6:24:24
